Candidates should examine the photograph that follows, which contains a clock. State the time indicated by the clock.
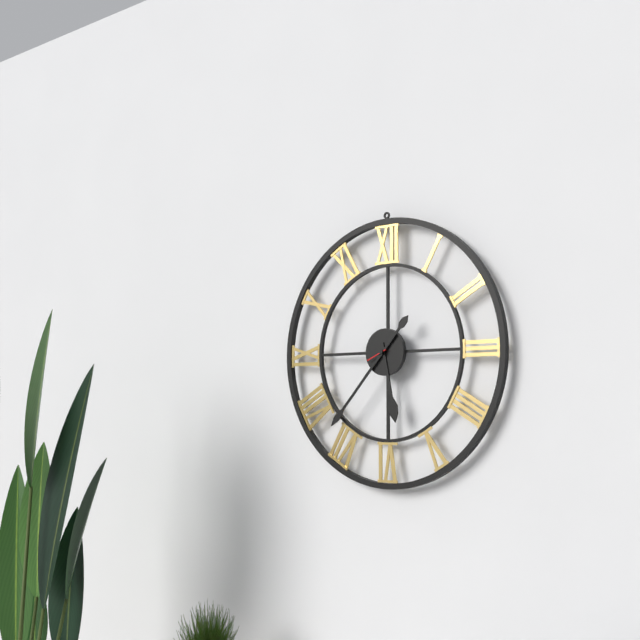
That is 5:37
